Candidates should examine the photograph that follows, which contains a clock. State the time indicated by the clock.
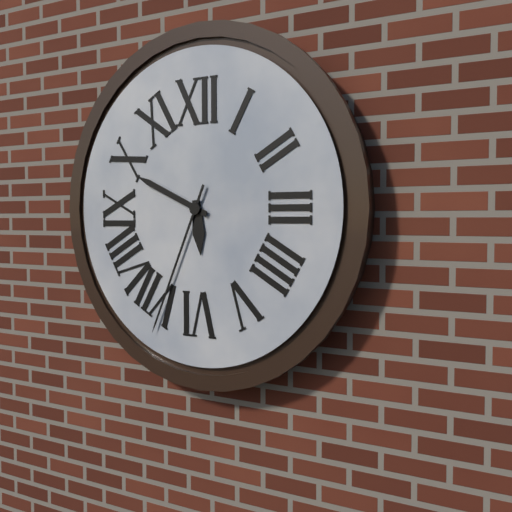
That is 5:49:34
